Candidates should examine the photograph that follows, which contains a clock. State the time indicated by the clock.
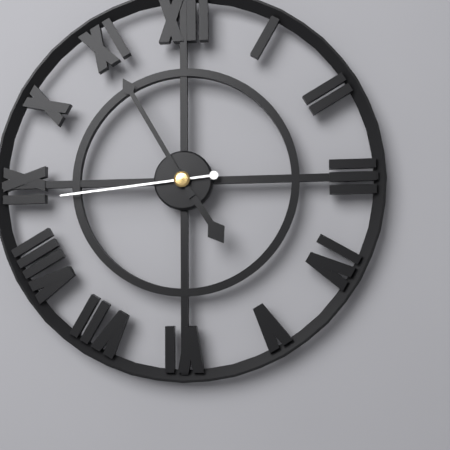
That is 4:55:44
